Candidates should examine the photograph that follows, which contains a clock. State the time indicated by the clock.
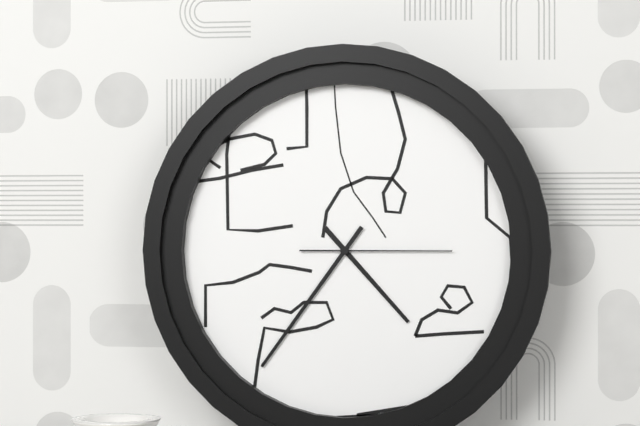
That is 4:36:15
